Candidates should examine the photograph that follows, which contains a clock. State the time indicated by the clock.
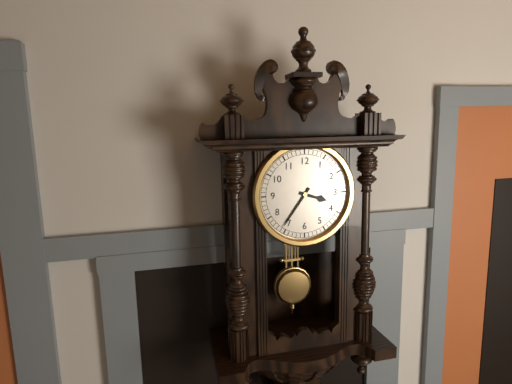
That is 3:36
